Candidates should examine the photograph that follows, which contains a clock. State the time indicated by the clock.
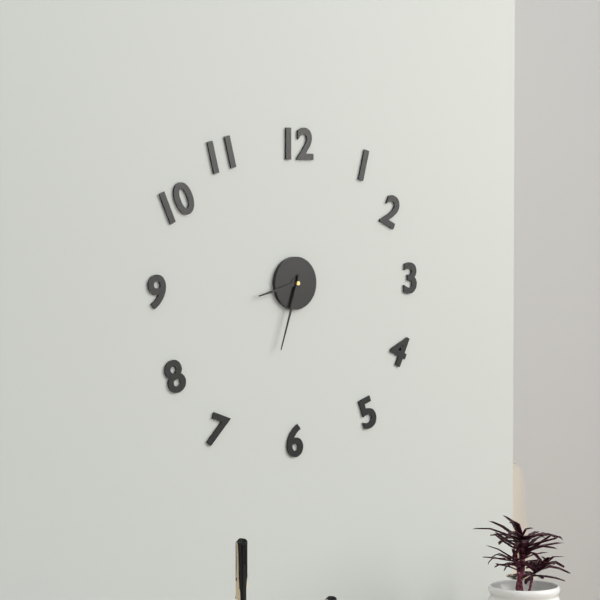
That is 8:33
